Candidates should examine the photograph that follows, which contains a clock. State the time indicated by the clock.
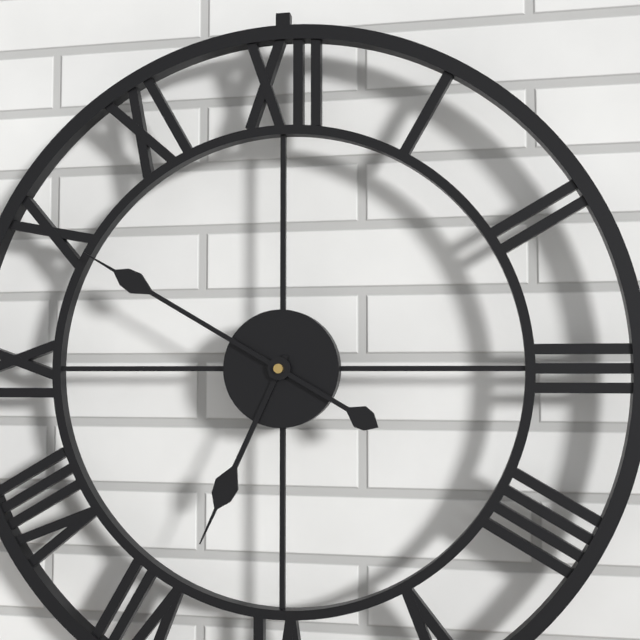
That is 6:50
